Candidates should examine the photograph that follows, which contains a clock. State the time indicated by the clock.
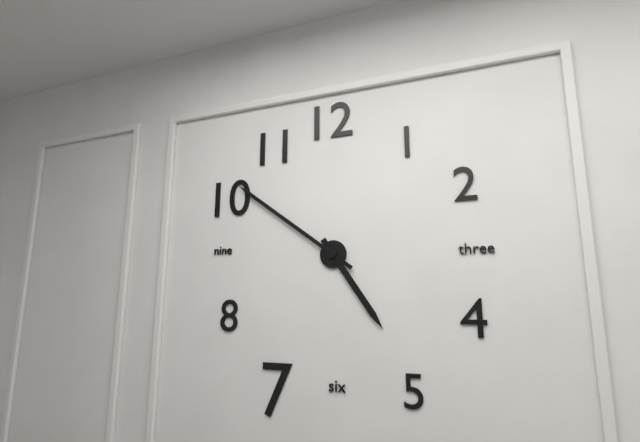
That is 4:51
